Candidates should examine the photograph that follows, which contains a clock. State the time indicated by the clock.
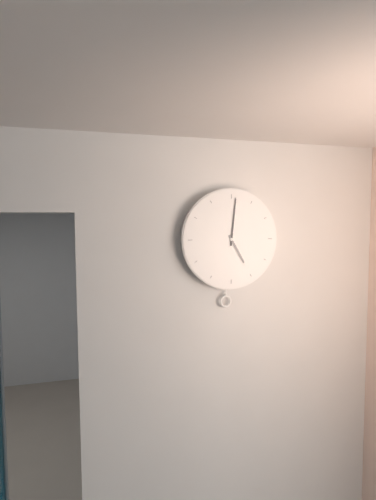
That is 5:01
